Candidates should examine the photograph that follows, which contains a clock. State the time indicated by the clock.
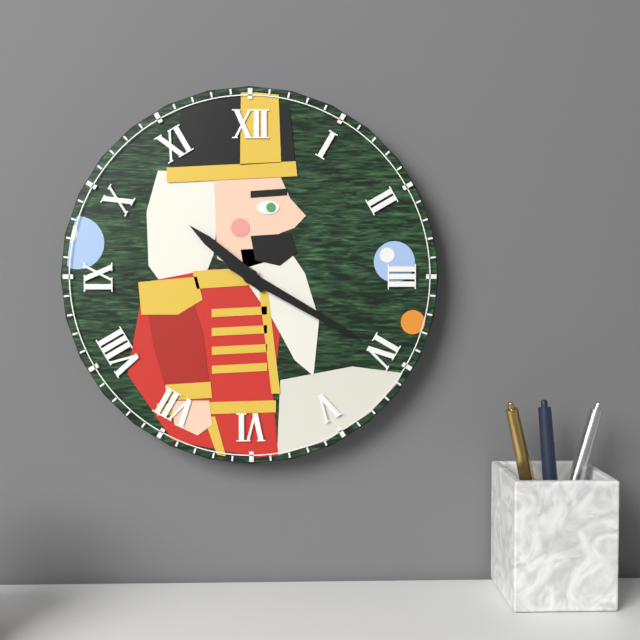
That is 10:20
